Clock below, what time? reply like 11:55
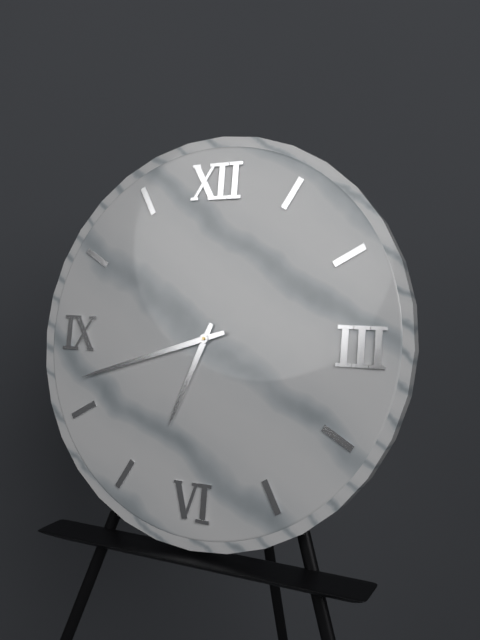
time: 6:42
